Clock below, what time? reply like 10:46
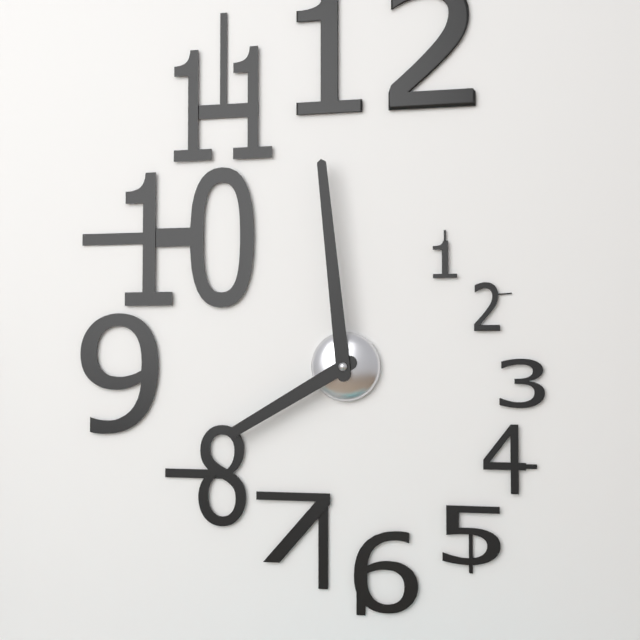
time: 7:59
